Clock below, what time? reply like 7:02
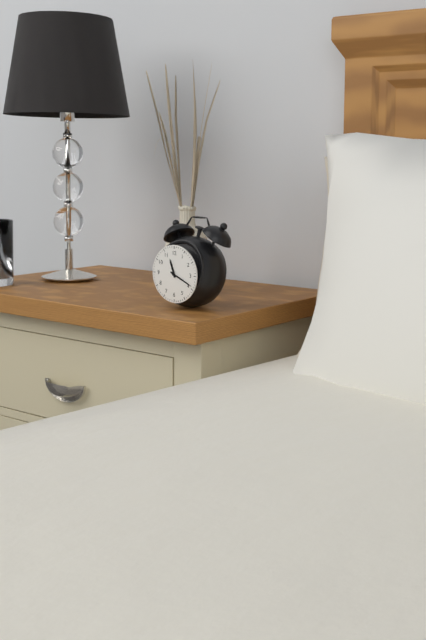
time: 11:19
